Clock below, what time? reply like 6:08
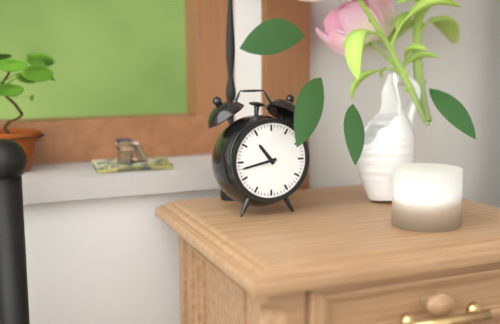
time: 10:43
